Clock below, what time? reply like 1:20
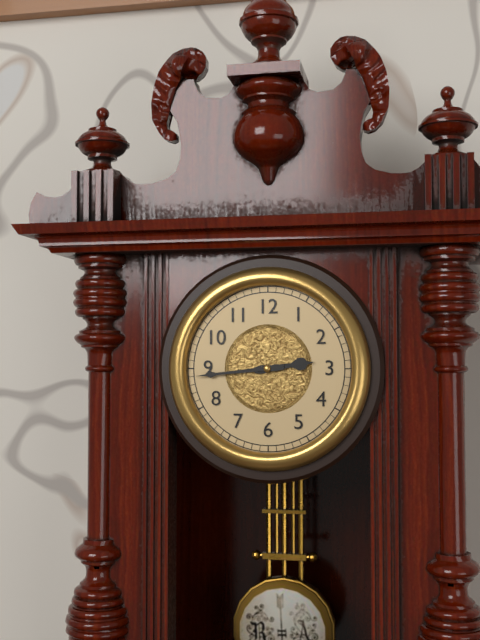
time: 2:44
